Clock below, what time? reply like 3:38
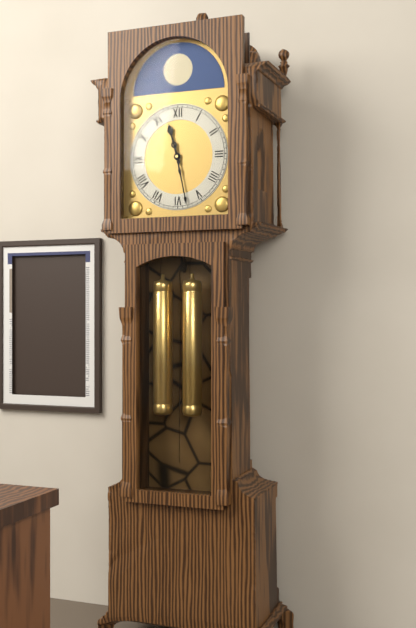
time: 11:28
